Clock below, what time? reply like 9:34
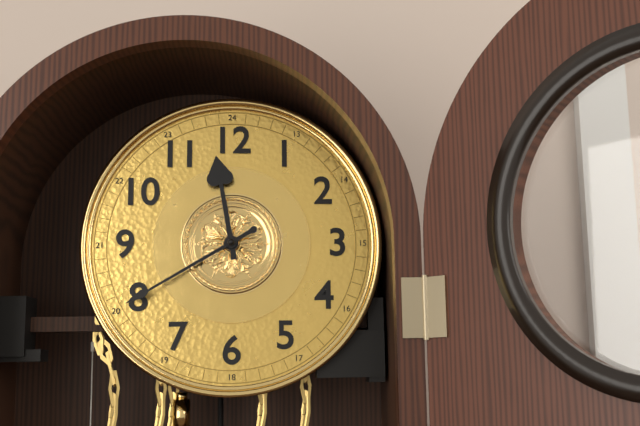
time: 11:40
